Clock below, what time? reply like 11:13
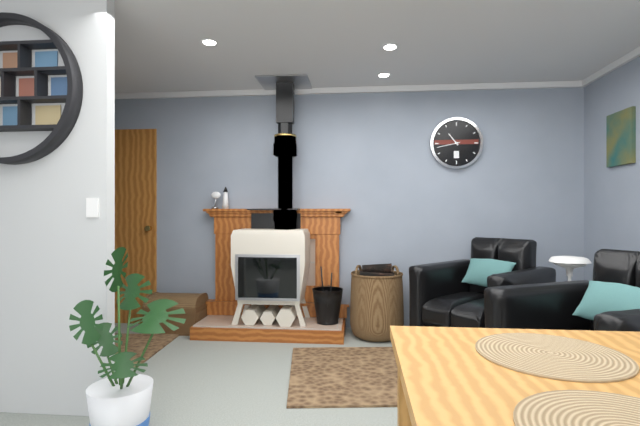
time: 10:43
